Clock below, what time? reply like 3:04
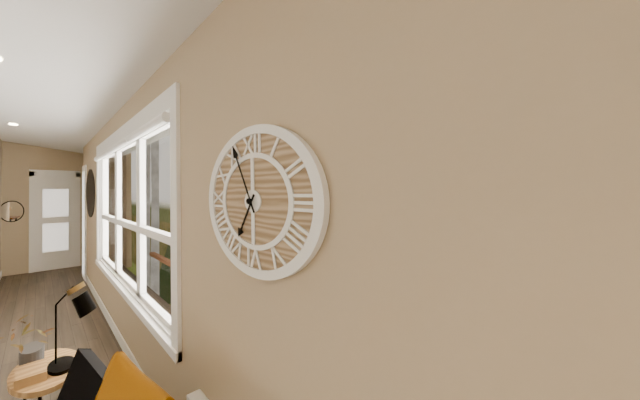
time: 6:56
